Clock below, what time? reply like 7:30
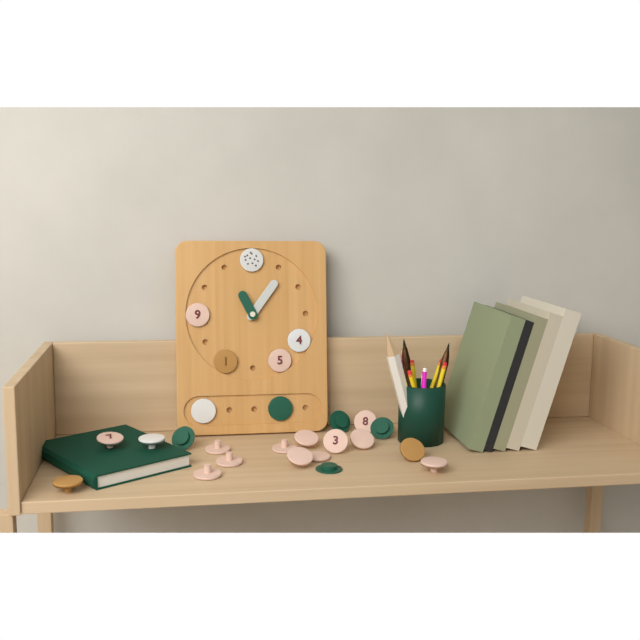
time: 11:06
